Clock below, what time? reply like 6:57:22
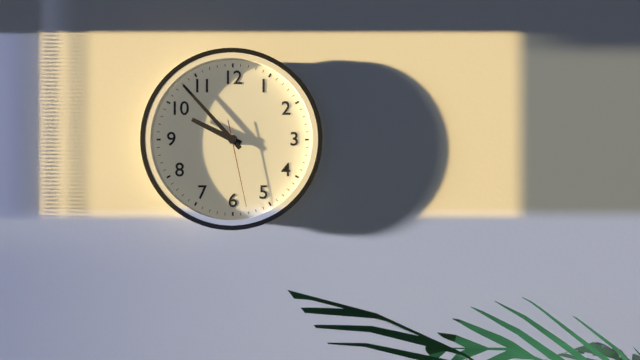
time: 9:53:28
